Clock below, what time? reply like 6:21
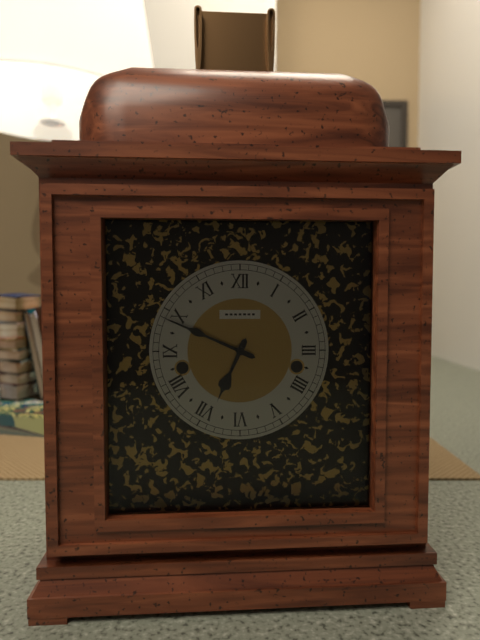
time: 6:49
